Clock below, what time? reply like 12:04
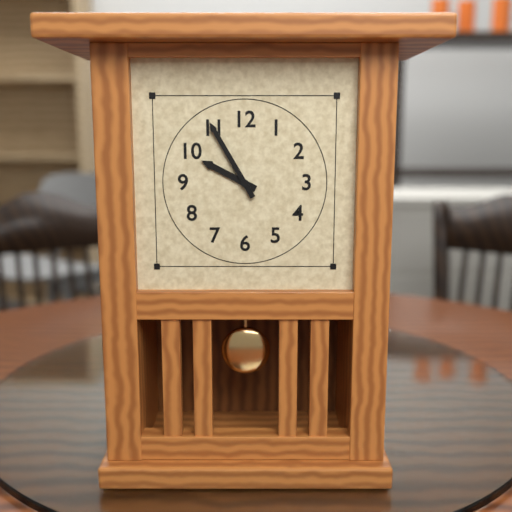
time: 9:55
